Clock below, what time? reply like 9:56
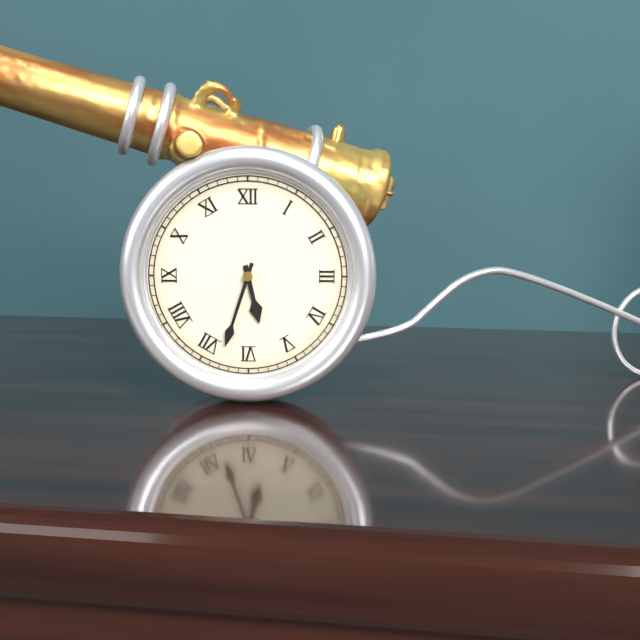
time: 5:33
